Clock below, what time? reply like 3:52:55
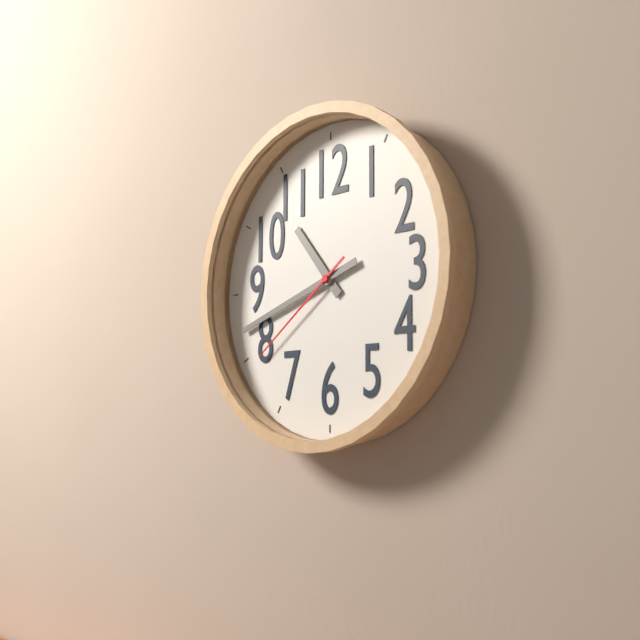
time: 10:42:39
